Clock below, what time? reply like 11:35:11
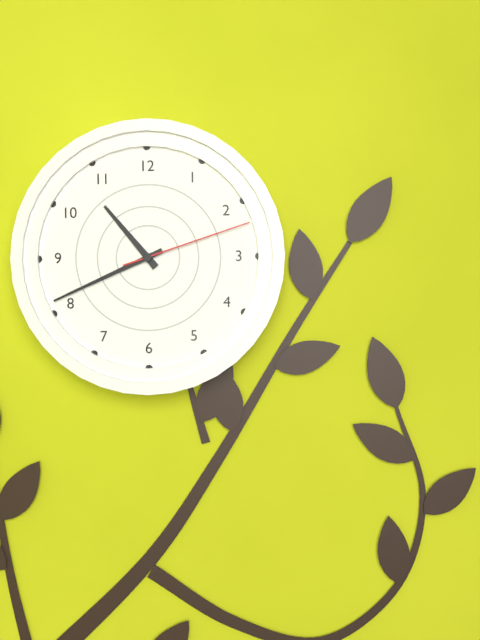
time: 10:41:12
